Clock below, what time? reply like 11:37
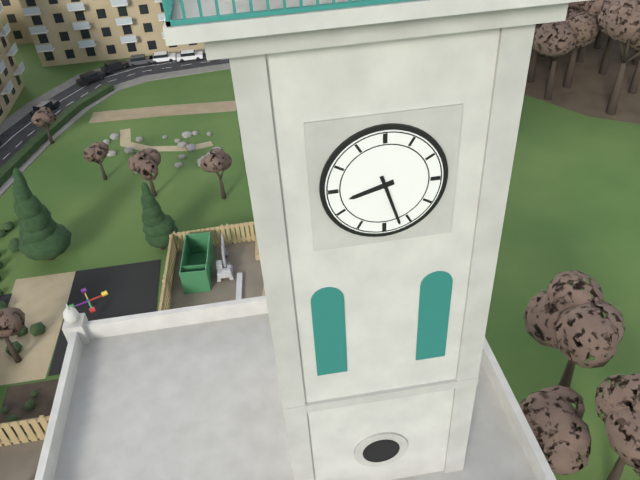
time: 8:27
